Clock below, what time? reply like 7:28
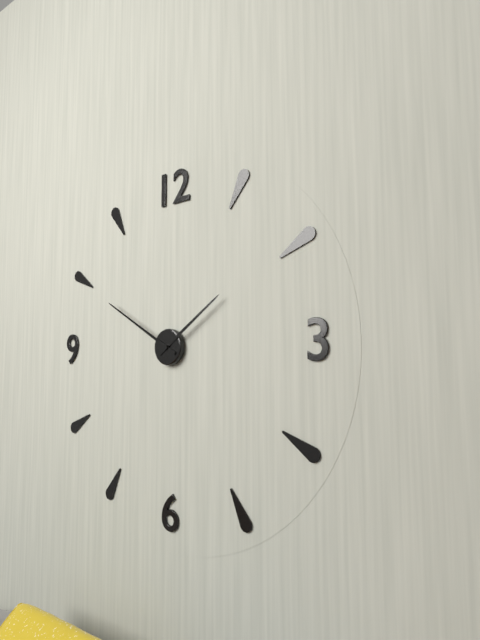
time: 1:50
